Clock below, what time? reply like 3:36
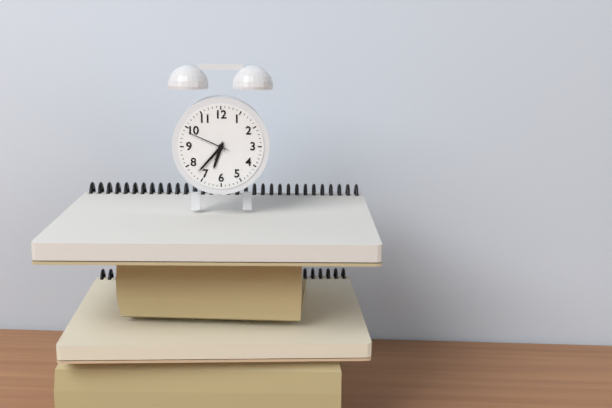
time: 6:37
